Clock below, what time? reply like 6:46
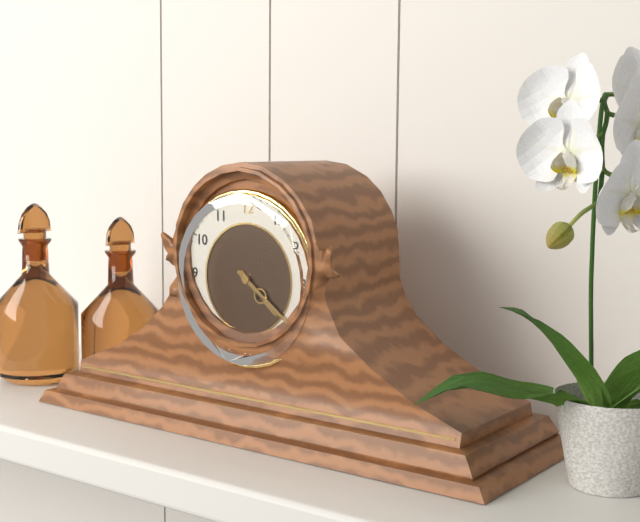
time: 4:21
